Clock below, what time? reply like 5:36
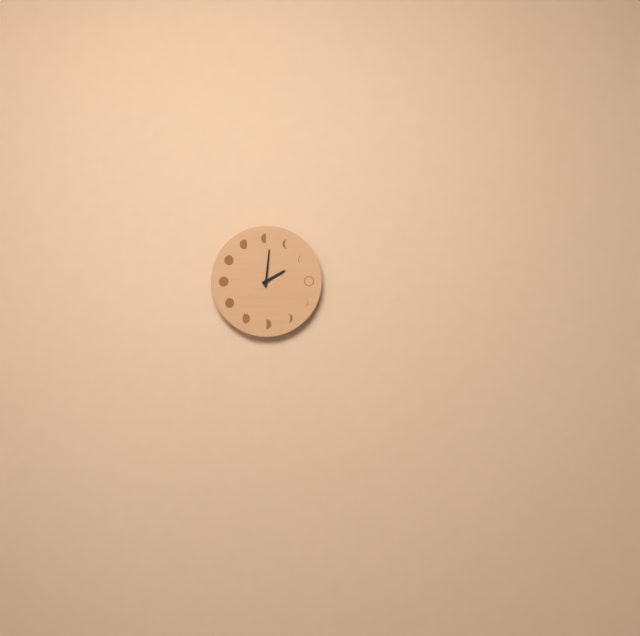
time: 2:01
